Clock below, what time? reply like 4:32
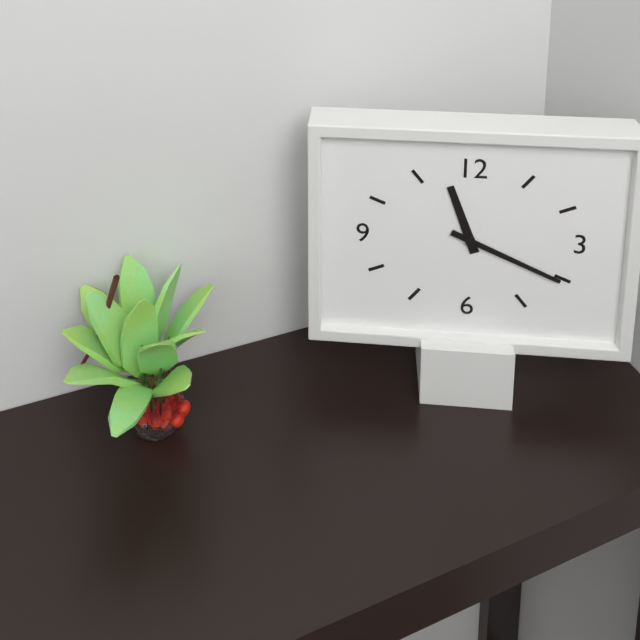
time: 11:19
